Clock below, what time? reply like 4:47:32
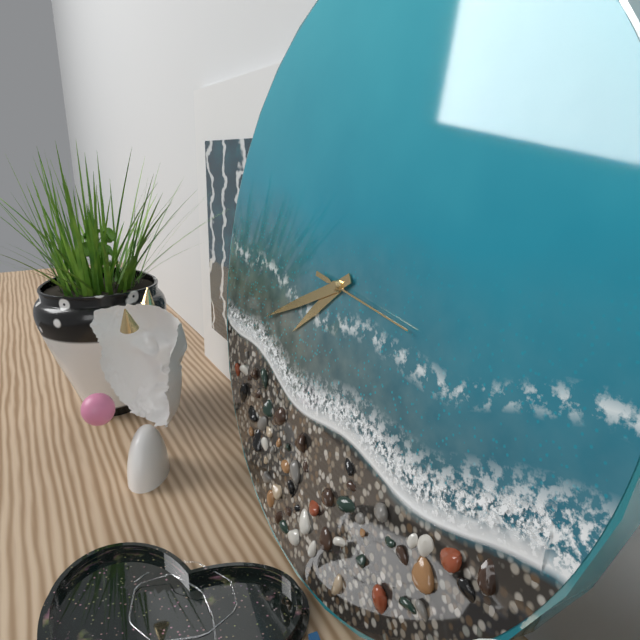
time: 7:41:16
